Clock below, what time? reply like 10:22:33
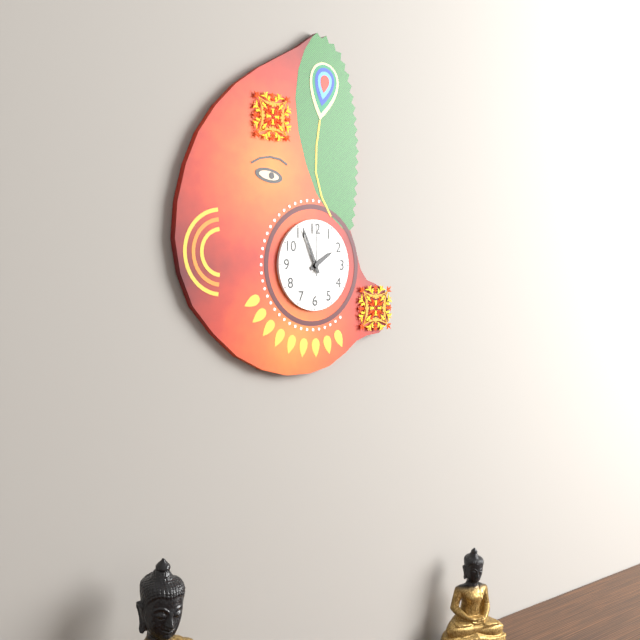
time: 1:56:00
